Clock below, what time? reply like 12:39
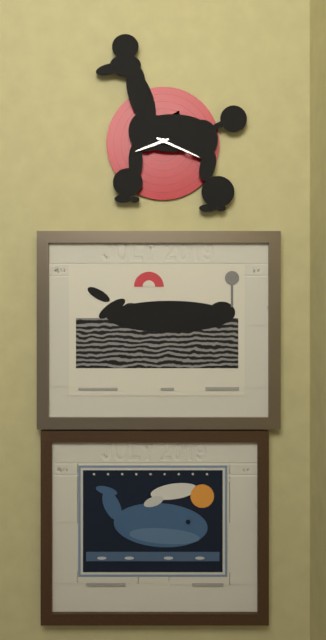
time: 8:19
